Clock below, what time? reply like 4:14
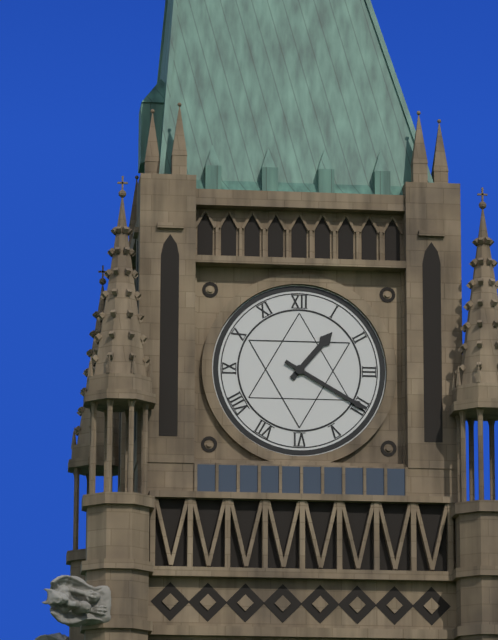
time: 1:20
